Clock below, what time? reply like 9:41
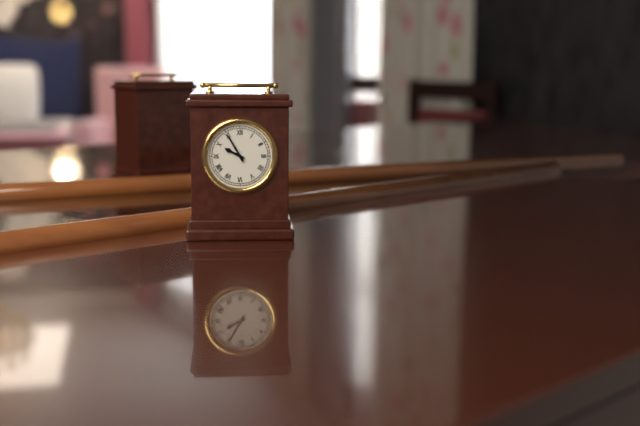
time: 9:55
